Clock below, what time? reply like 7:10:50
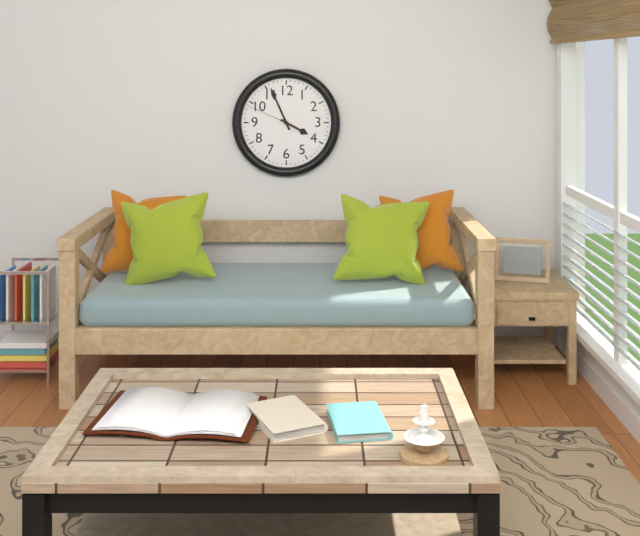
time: 3:56:49
